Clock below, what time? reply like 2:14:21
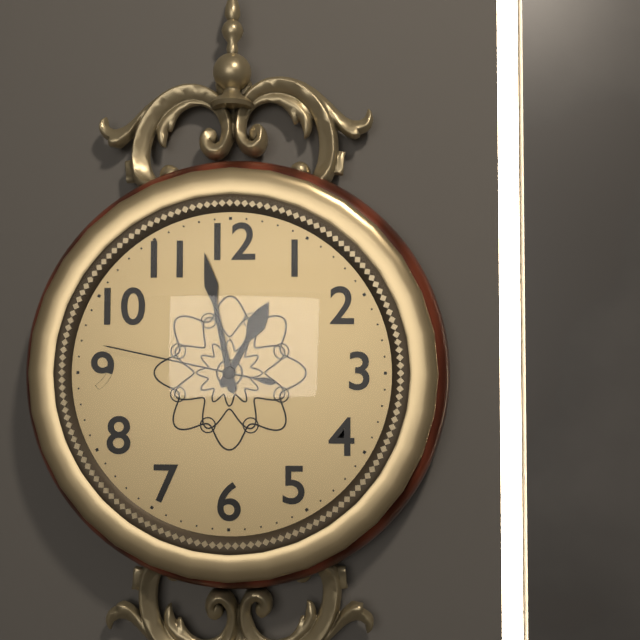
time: 12:58:47
